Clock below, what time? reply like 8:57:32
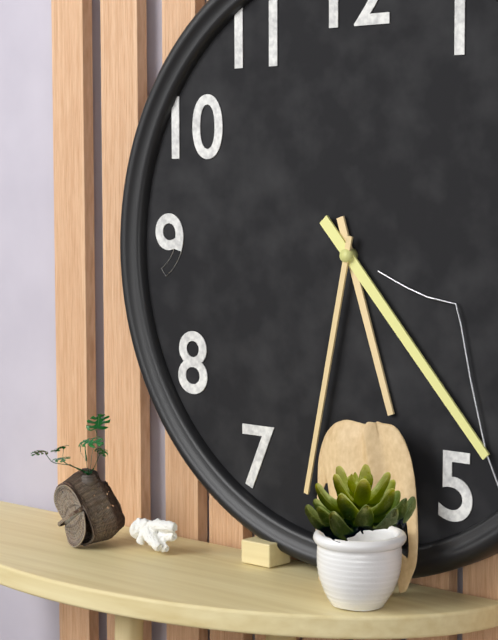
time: 5:23:32
